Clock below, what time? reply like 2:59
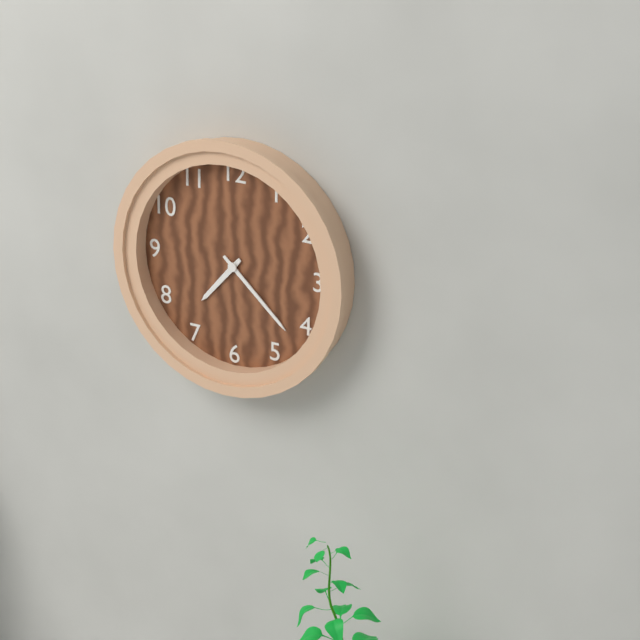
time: 7:22
